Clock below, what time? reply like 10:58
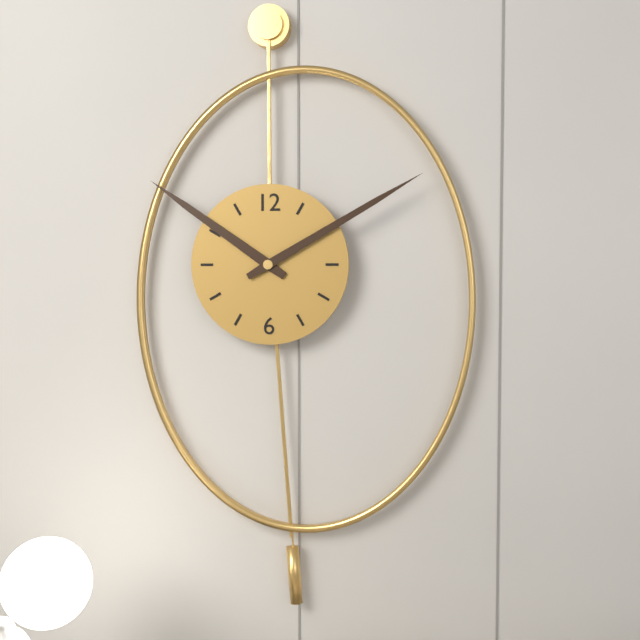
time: 10:10
